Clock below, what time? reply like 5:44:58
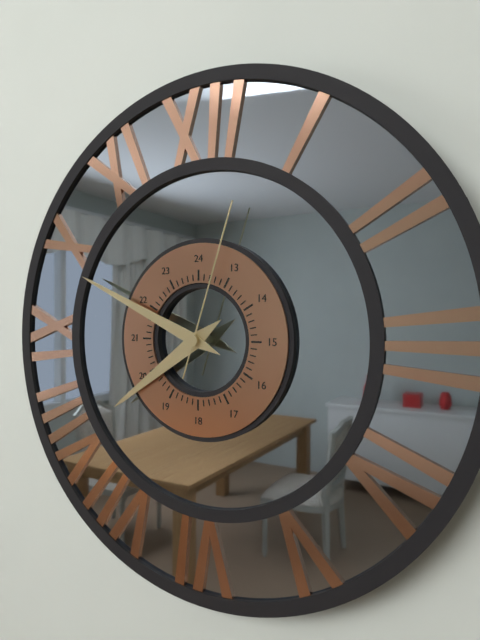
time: 7:49:03
